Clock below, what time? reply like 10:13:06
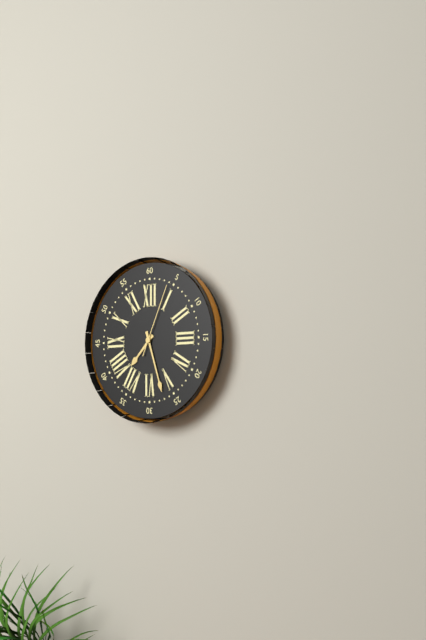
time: 7:27:04
